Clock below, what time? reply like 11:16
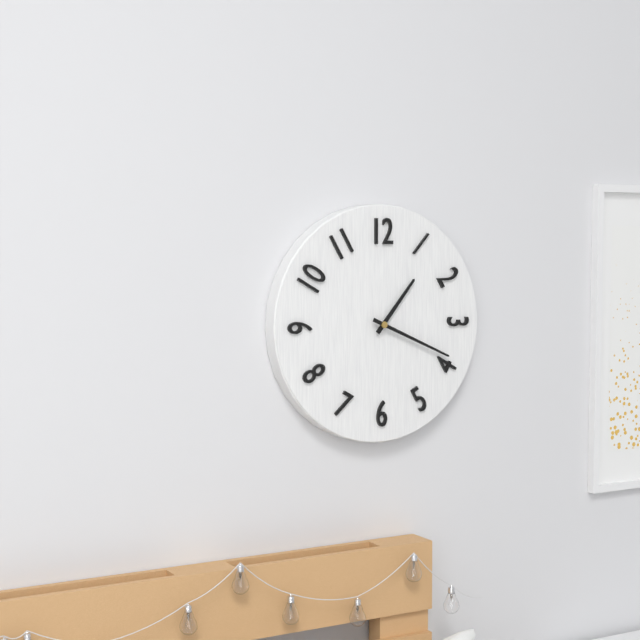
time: 1:19
